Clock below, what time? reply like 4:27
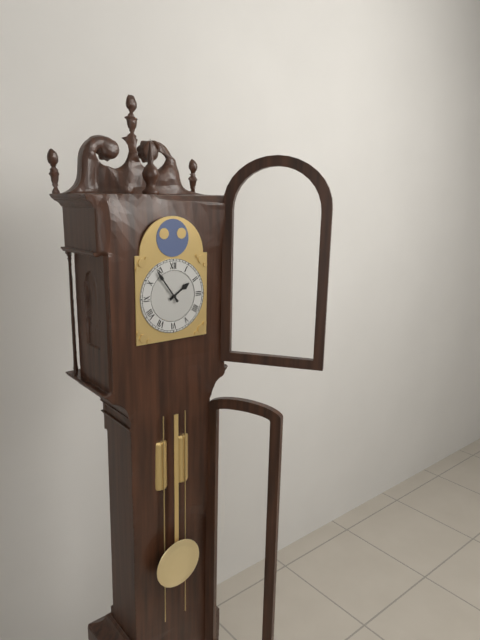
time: 1:54
